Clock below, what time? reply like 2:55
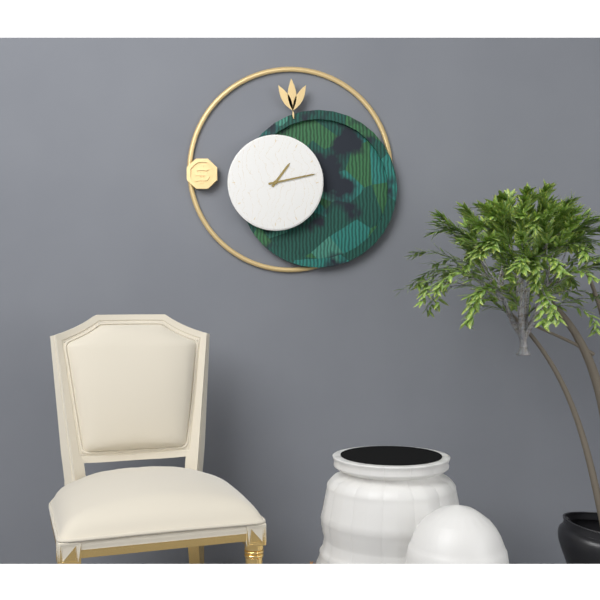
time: 1:13
